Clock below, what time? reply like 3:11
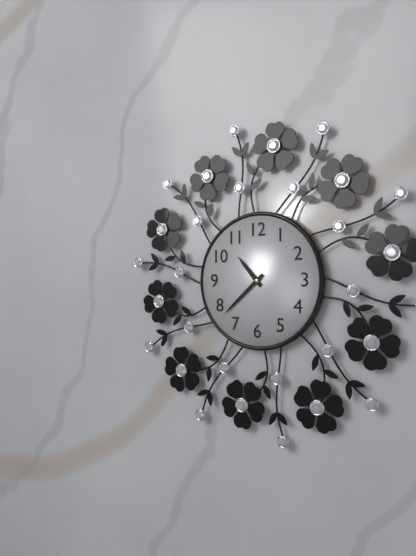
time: 10:38
